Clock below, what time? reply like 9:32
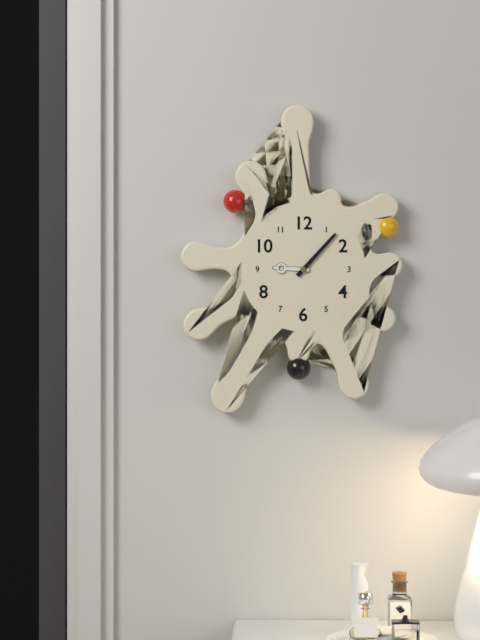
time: 9:07
